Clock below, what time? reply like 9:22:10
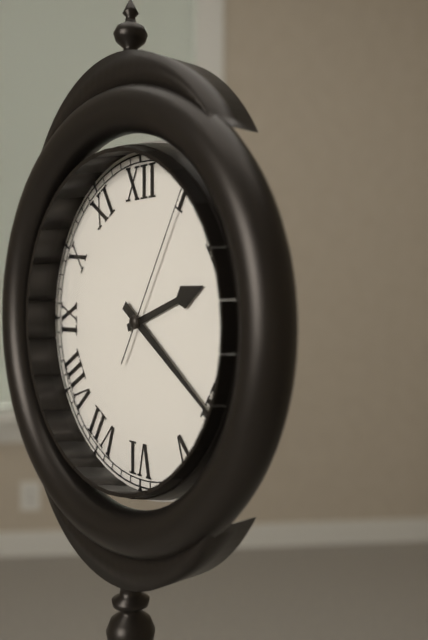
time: 2:21:05
